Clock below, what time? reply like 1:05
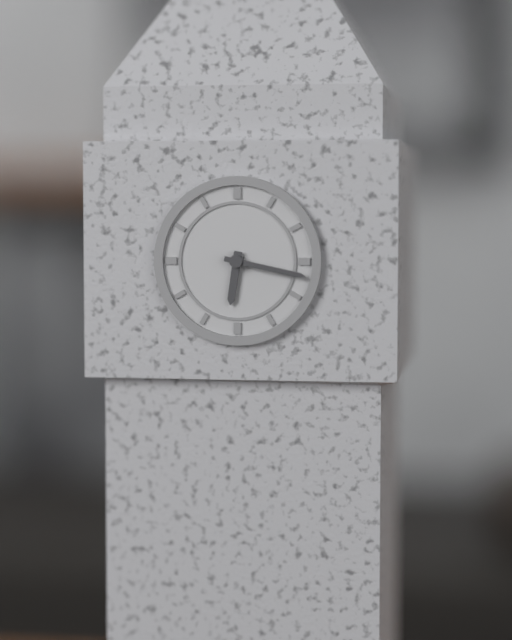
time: 6:17
